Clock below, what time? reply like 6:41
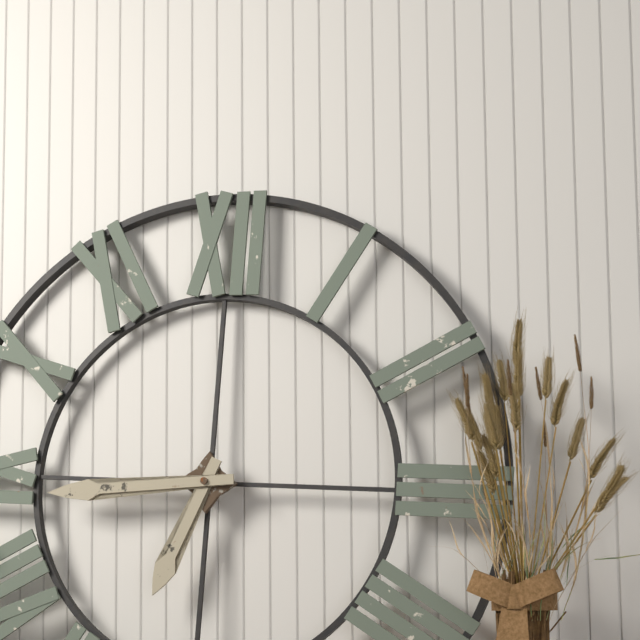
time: 6:44
